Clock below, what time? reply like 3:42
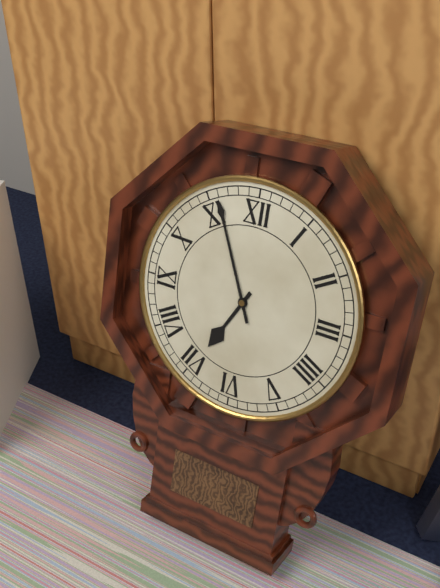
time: 6:56
